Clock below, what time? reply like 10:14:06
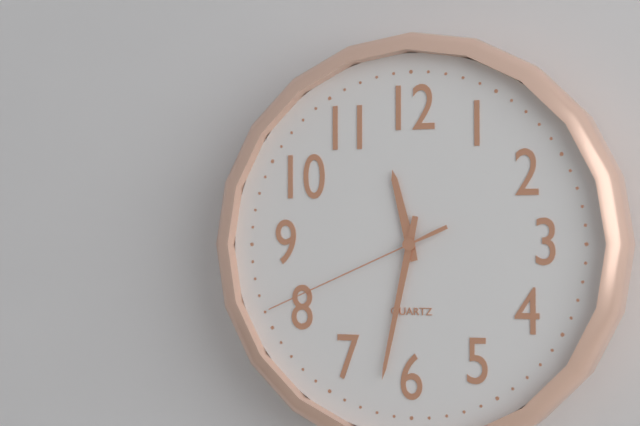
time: 11:32:41
